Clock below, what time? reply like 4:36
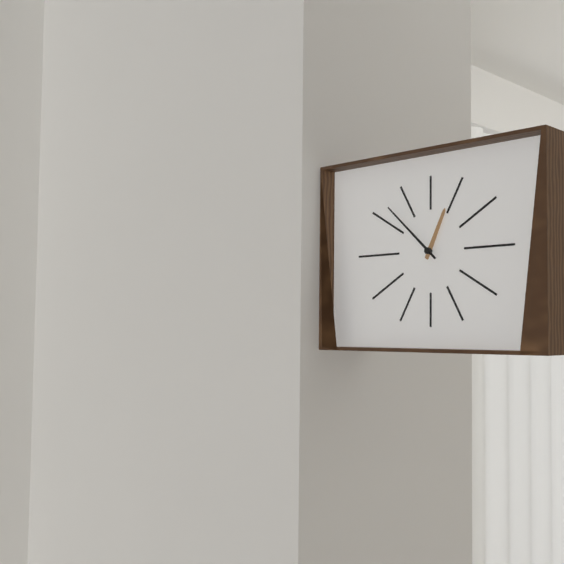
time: 12:52
